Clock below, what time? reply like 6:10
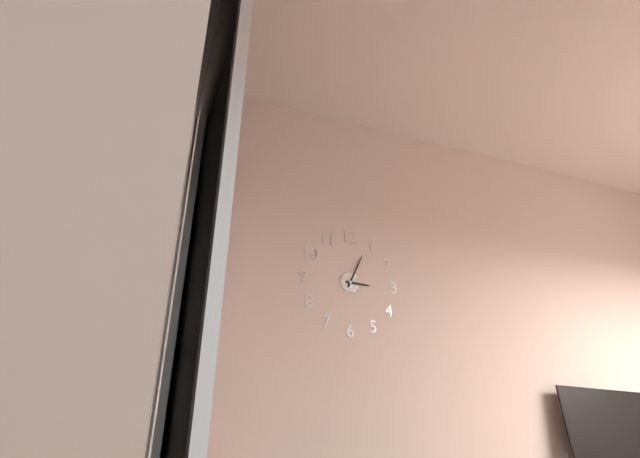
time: 3:04
